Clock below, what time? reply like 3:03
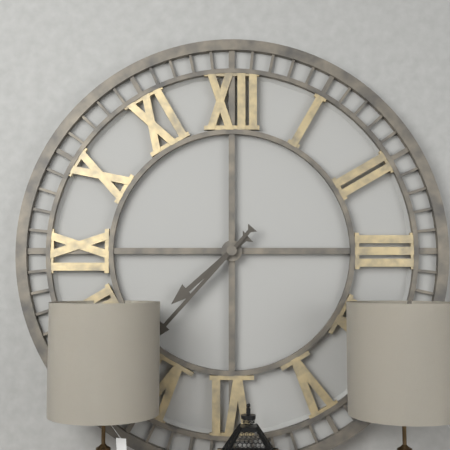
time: 7:37
